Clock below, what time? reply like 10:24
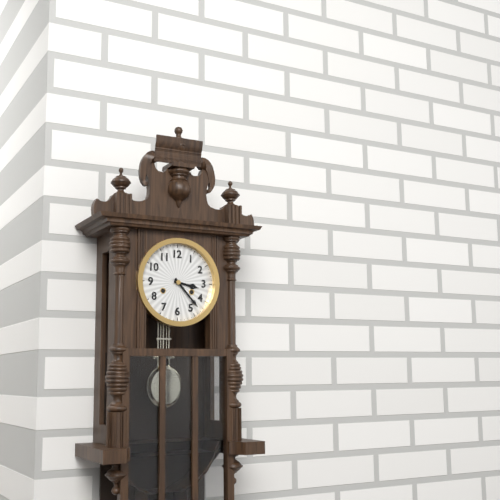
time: 3:23
